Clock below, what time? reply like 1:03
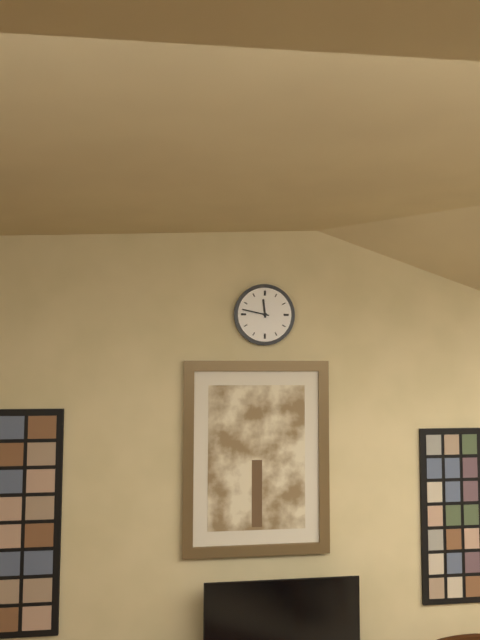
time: 11:47
